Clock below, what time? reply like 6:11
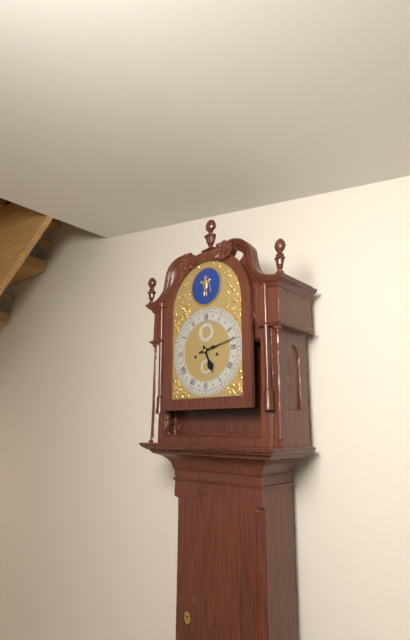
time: 5:13
